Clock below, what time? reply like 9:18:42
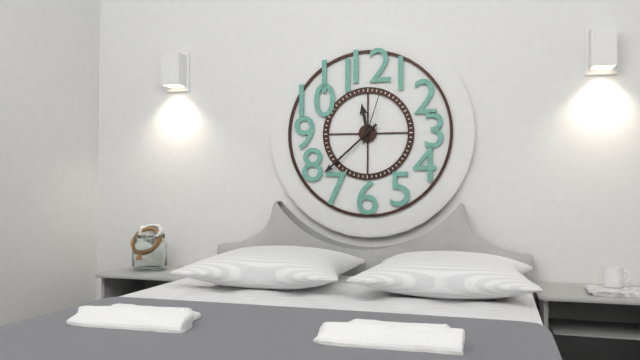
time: 11:38:03
